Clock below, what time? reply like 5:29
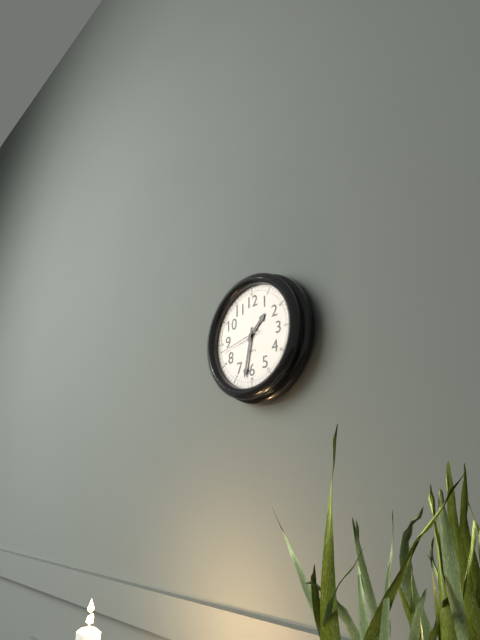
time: 1:32
